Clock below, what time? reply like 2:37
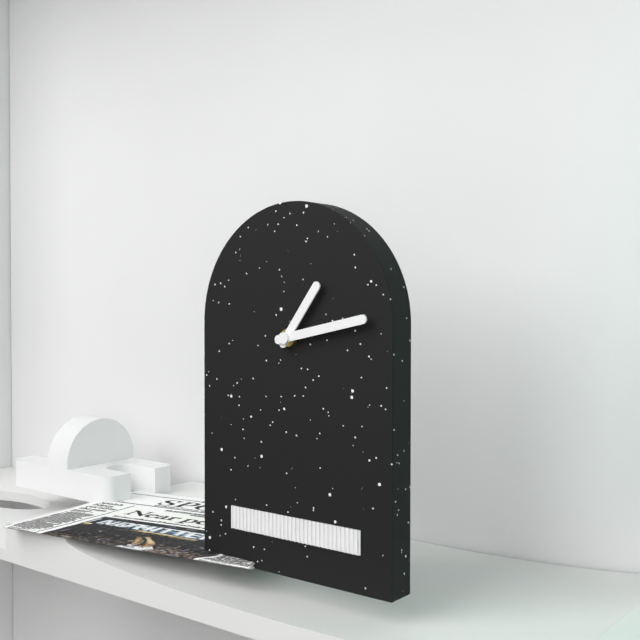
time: 1:13
